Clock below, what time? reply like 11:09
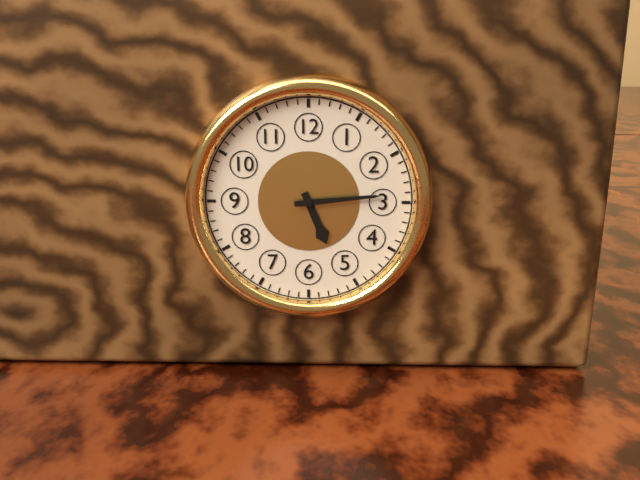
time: 5:14
